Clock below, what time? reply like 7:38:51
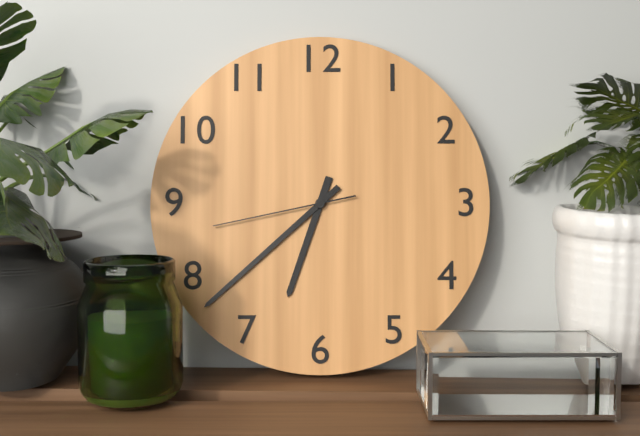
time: 6:38:43
